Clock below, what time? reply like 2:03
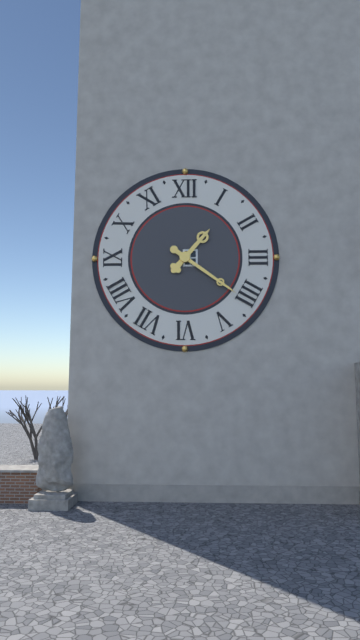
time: 1:21
